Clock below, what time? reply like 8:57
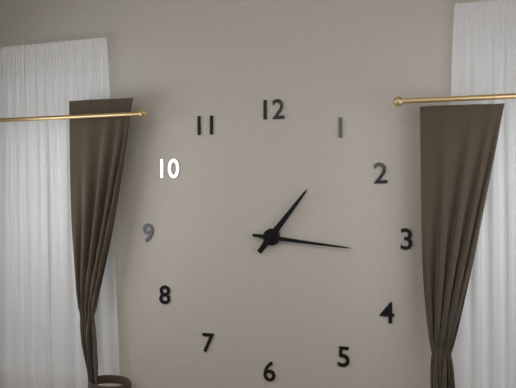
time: 1:16
